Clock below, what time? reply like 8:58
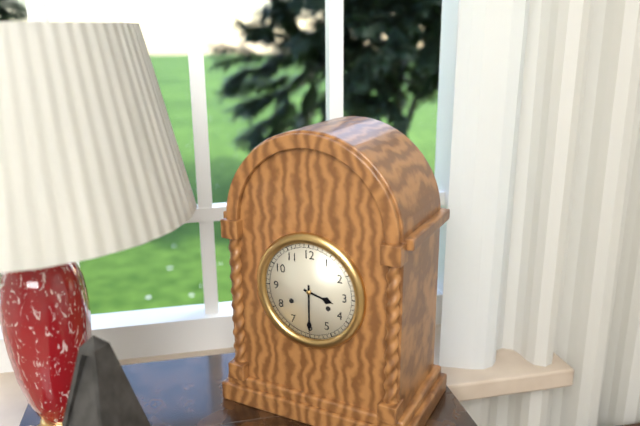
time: 3:30
